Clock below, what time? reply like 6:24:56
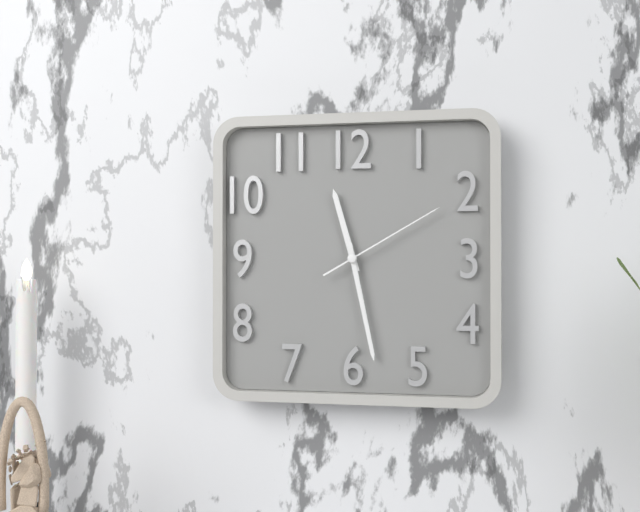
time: 11:28:10
